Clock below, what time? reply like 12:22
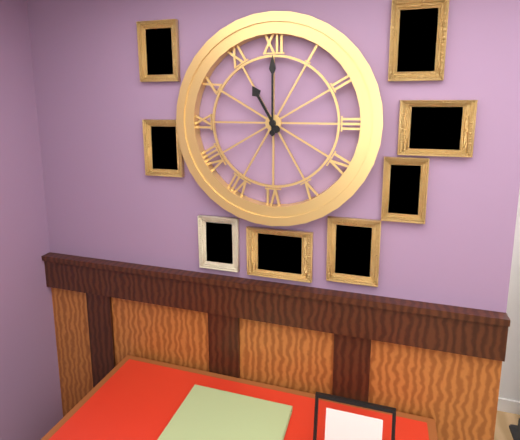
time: 11:00
